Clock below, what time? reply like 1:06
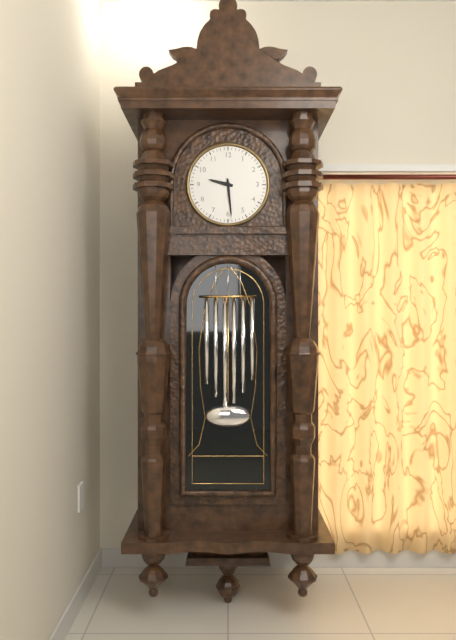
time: 9:29
